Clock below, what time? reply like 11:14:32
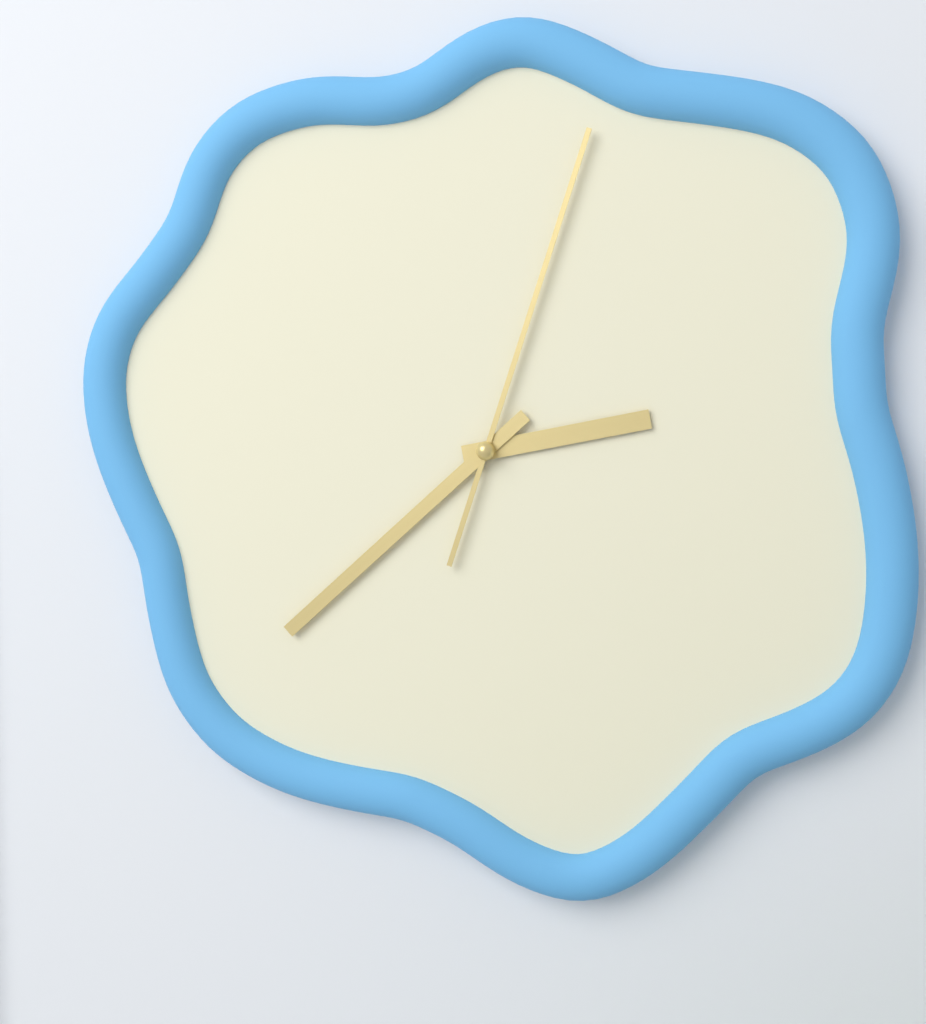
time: 2:38:03
